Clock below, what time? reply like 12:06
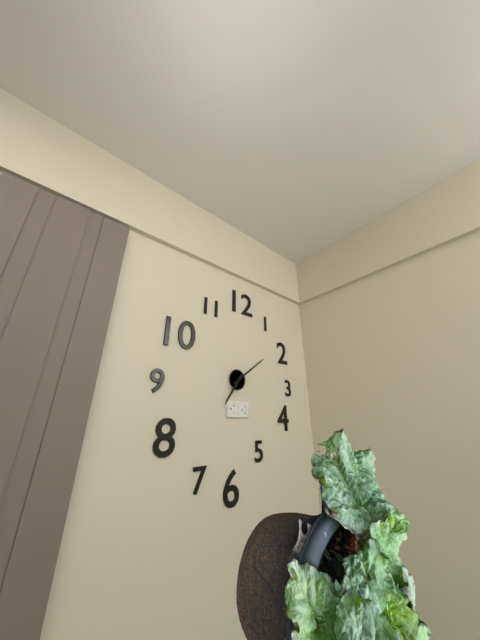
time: 7:09
